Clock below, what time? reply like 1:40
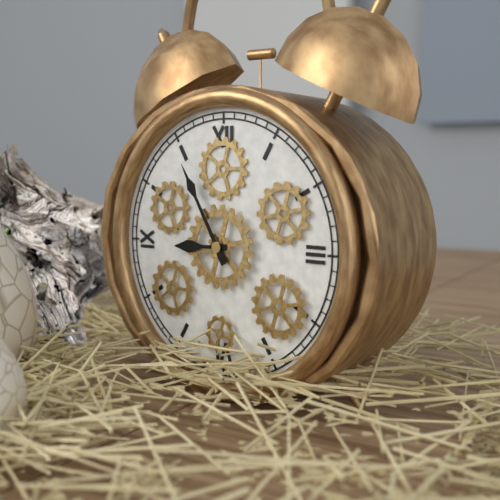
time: 8:55
